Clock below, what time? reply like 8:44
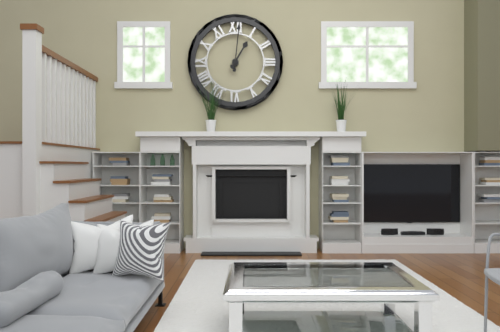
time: 1:01
